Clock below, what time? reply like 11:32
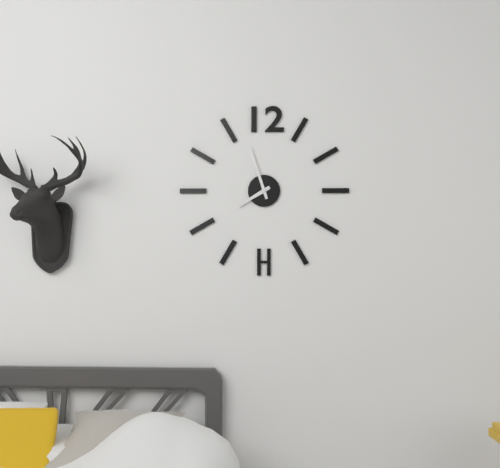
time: 7:57
